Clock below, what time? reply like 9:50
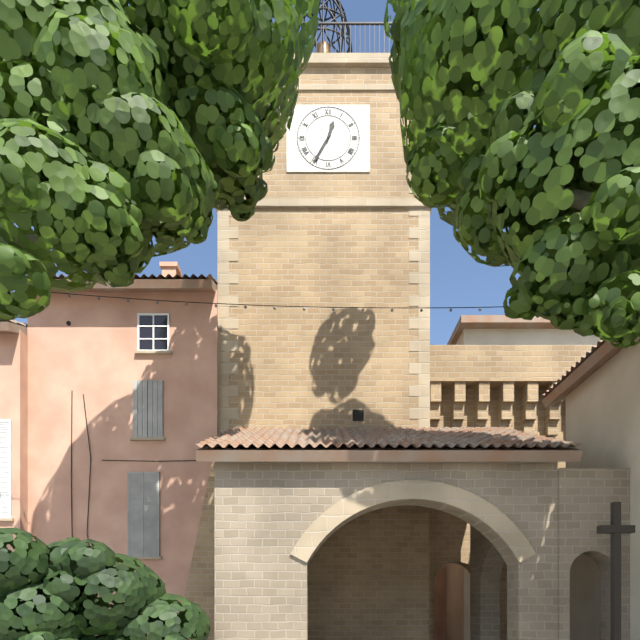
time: 12:35
